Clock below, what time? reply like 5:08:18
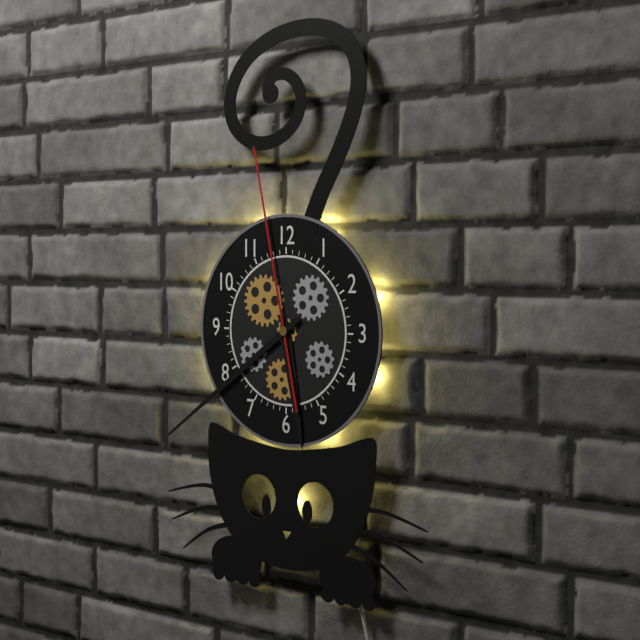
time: 5:39:58
